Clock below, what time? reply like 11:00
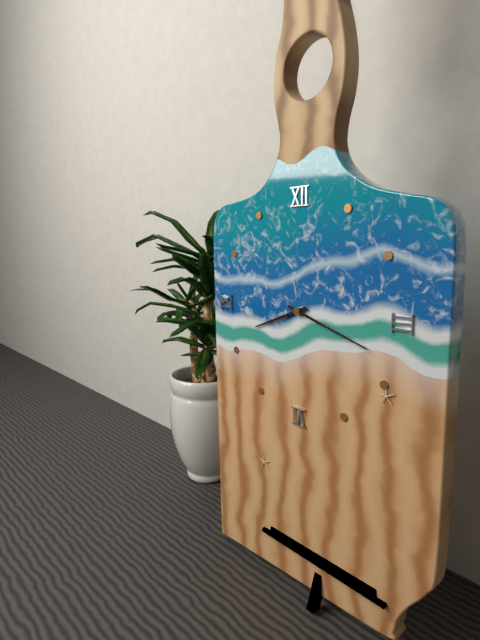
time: 8:18
